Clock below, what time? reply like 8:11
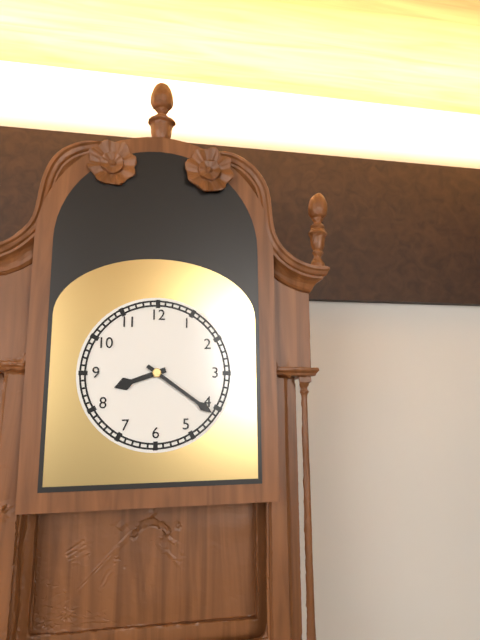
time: 8:21
